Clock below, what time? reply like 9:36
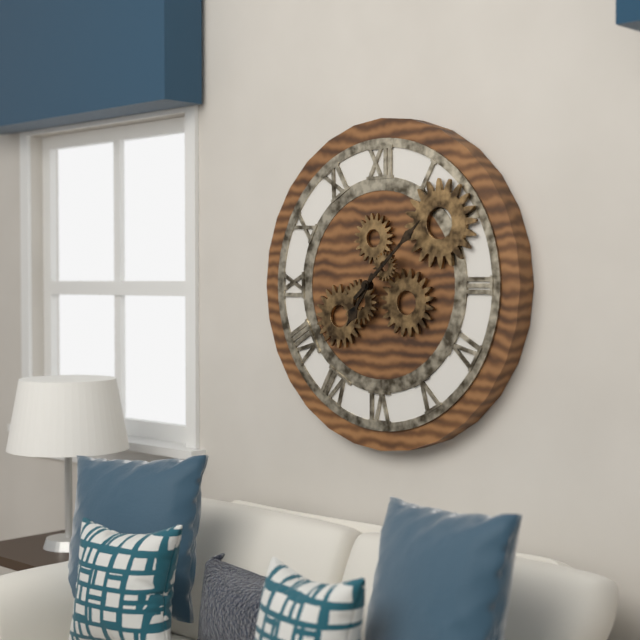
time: 7:08
